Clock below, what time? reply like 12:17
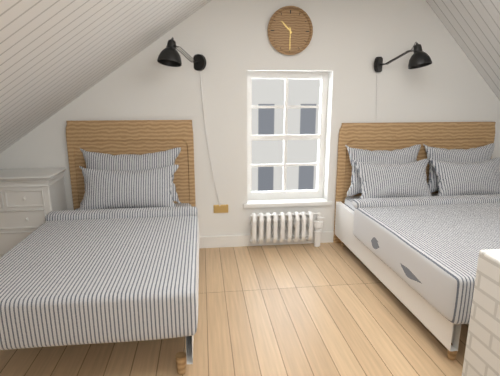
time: 10:30
